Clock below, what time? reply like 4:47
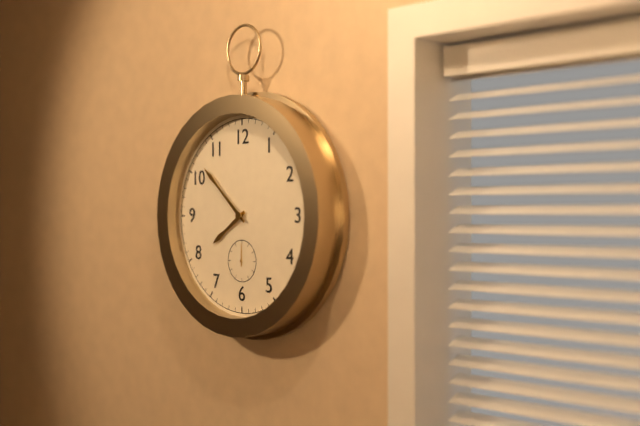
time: 7:52
